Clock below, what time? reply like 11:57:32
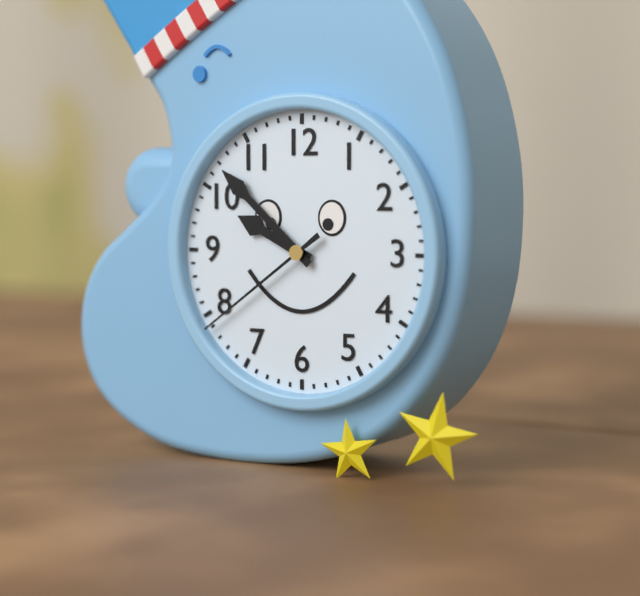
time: 9:52:39
